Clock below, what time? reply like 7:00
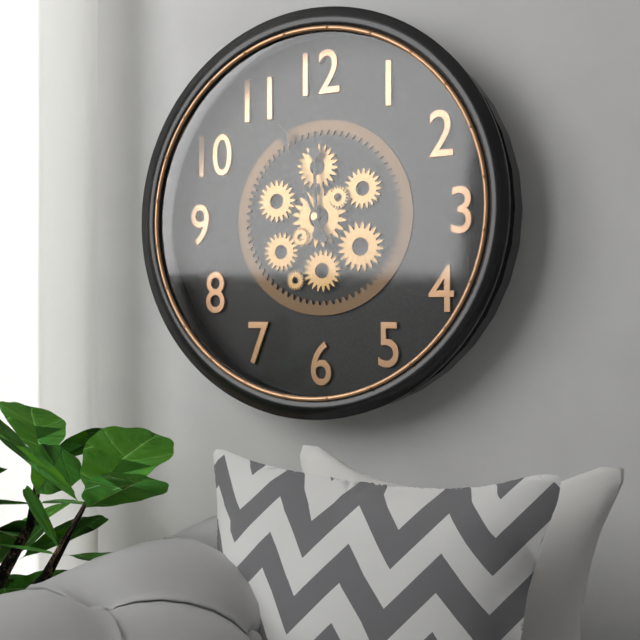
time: 11:56
